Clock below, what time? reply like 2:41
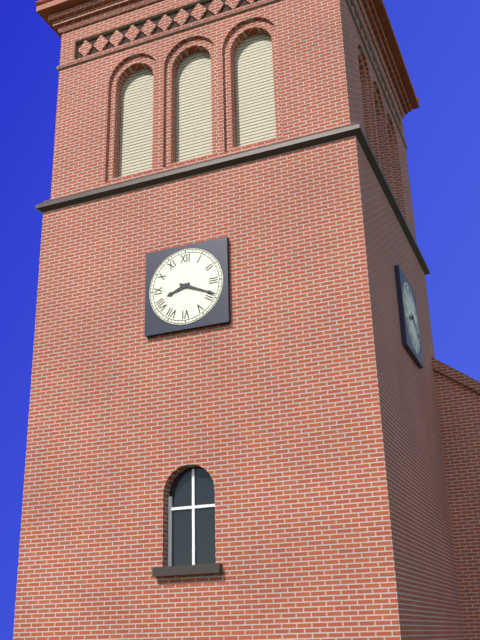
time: 8:19
